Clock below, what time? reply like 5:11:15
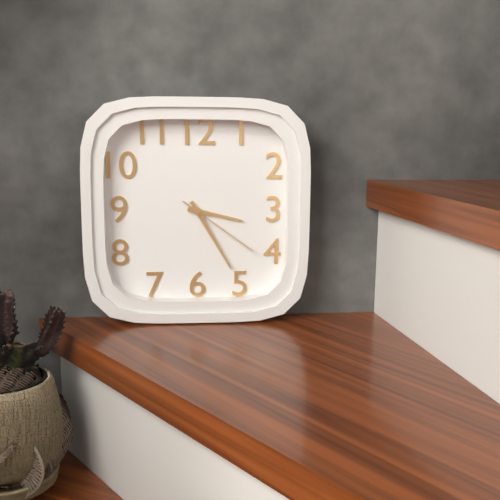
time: 3:25:21
